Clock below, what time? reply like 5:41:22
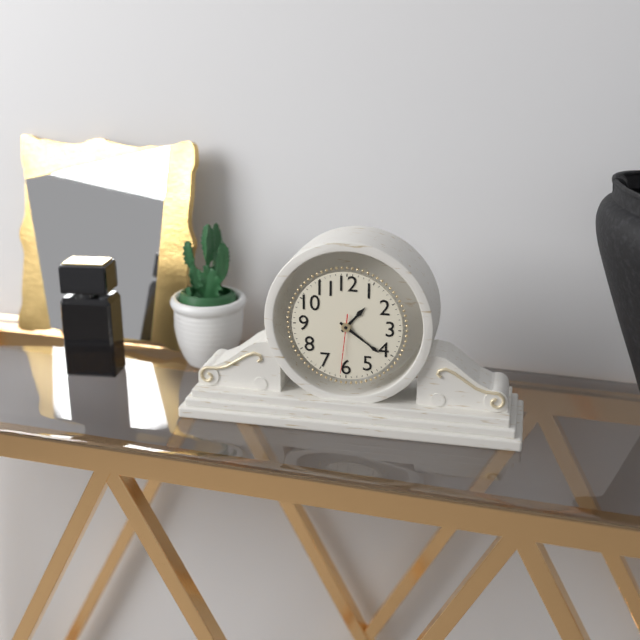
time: 1:21:31
